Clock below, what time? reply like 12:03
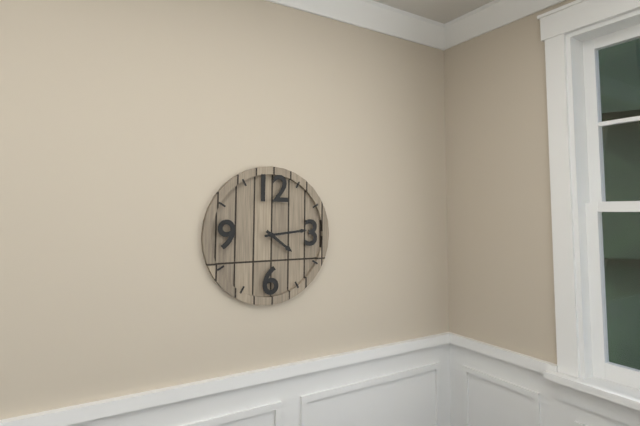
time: 4:14
